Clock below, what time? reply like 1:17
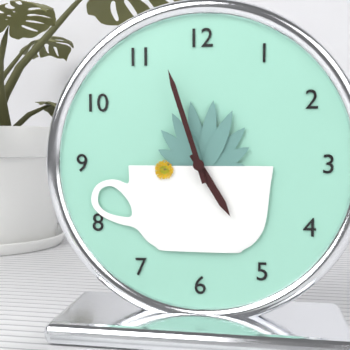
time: 4:57
